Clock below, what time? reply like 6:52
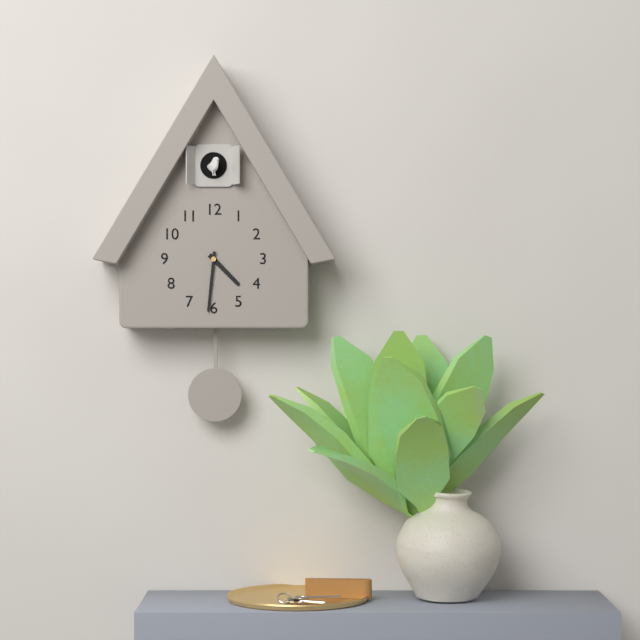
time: 4:31
